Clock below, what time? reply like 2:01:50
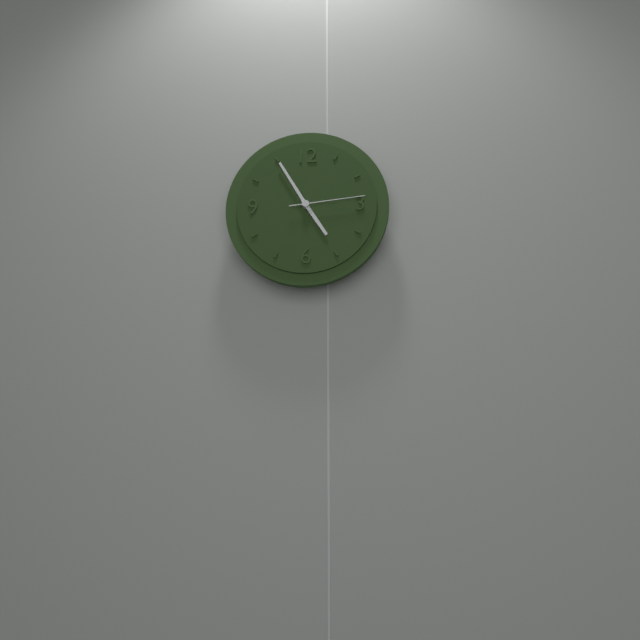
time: 4:55:14
